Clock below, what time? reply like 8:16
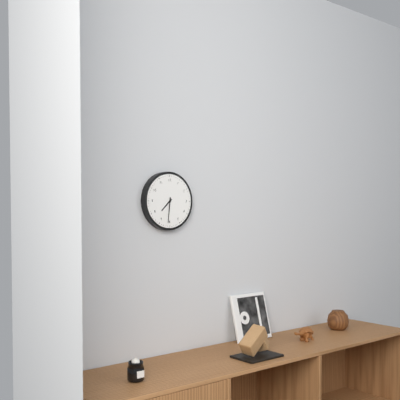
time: 7:31
